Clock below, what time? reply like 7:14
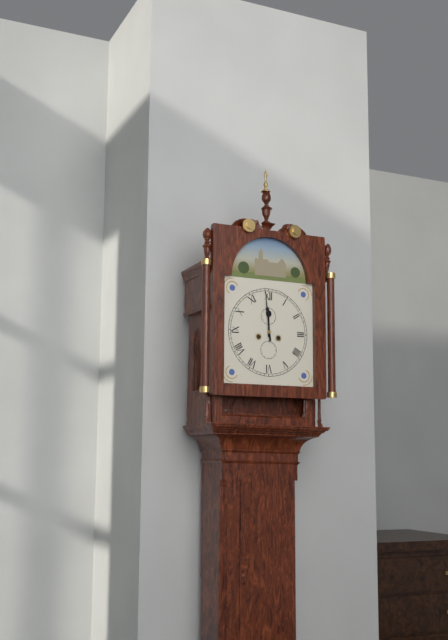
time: 11:59
